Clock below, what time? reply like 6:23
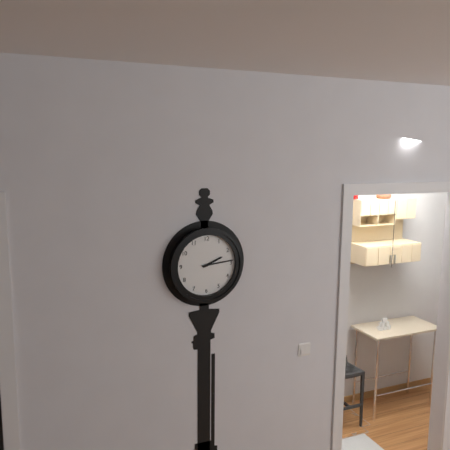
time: 2:14
